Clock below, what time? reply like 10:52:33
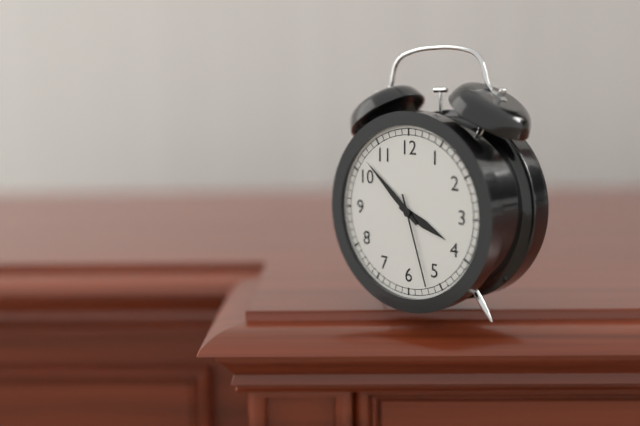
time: 3:52:27
